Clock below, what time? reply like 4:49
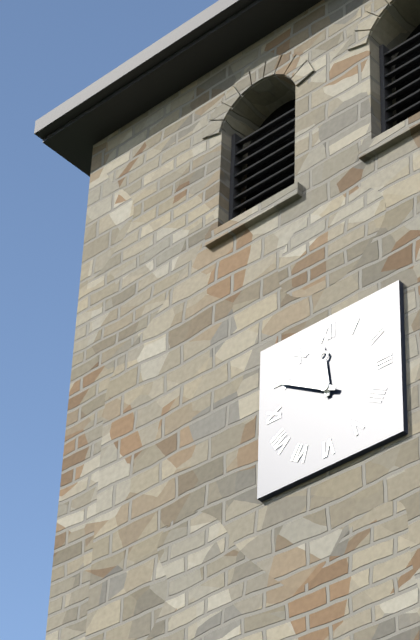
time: 11:50
